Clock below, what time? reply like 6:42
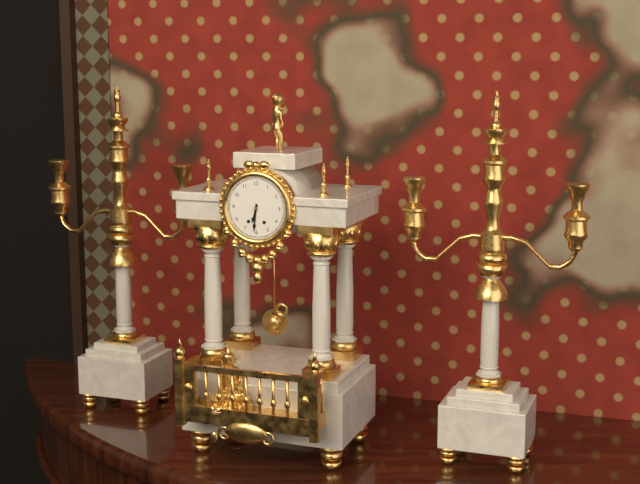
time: 6:31
